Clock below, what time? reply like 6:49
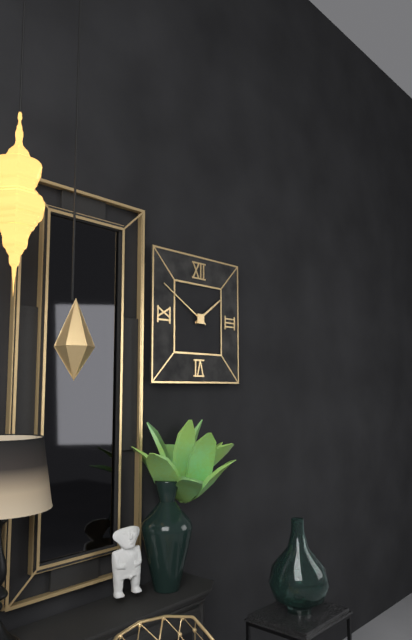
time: 1:50
